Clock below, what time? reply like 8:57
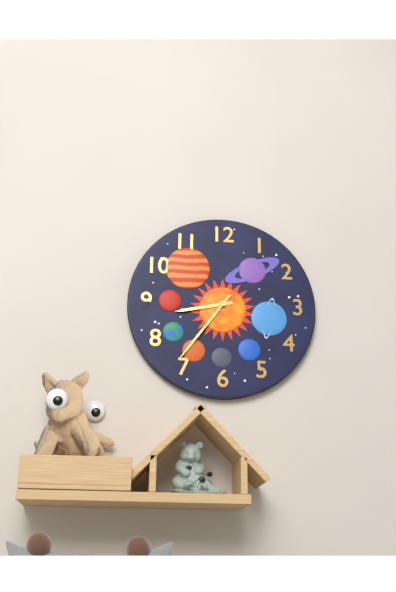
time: 8:36
